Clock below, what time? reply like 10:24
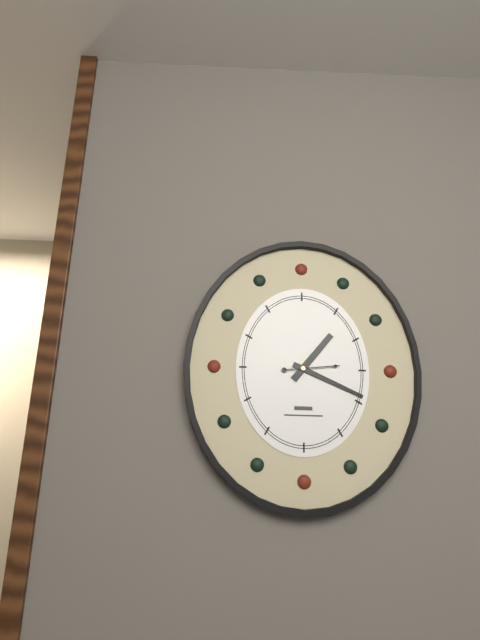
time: 1:19
